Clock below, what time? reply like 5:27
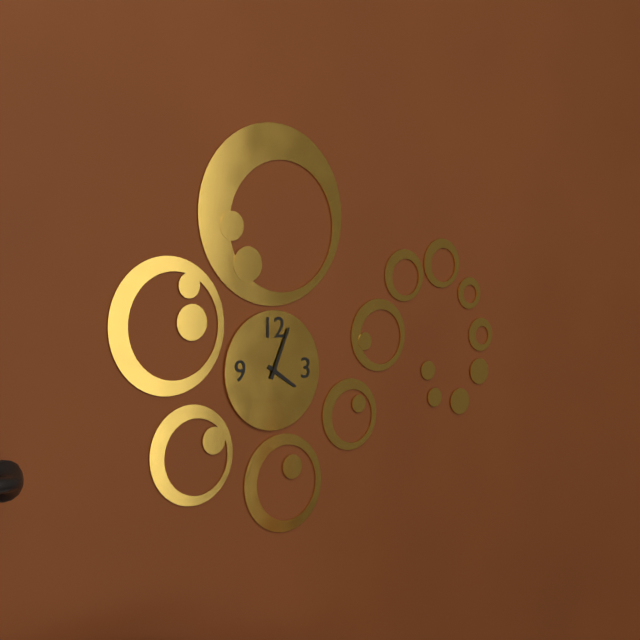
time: 4:04
